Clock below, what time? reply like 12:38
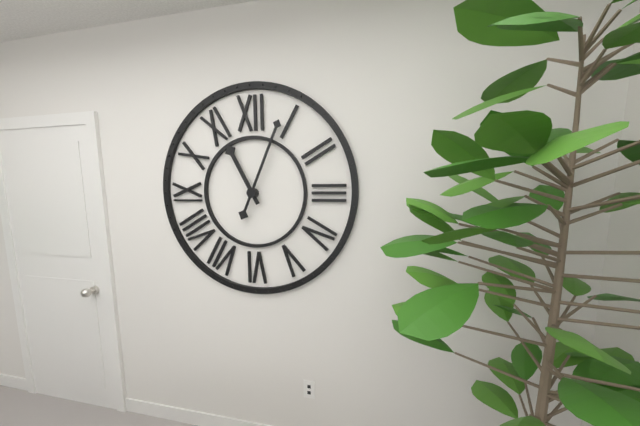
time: 11:04
